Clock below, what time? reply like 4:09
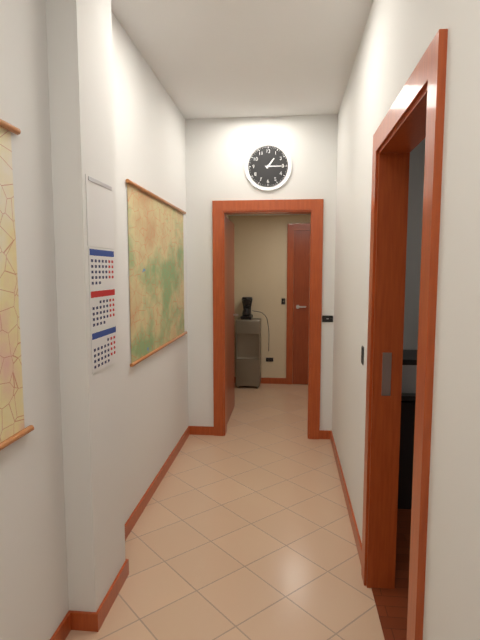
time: 1:15
